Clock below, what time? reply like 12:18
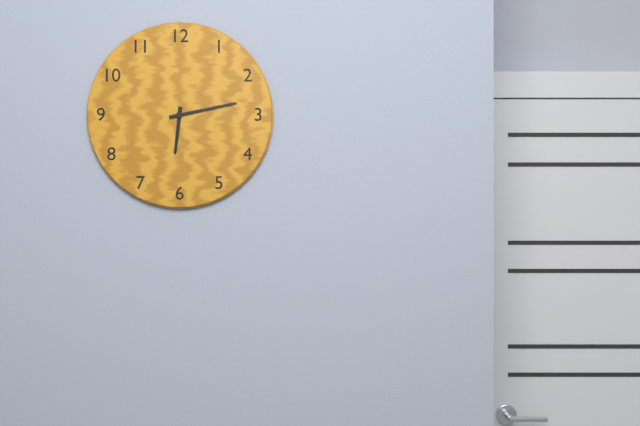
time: 6:13
